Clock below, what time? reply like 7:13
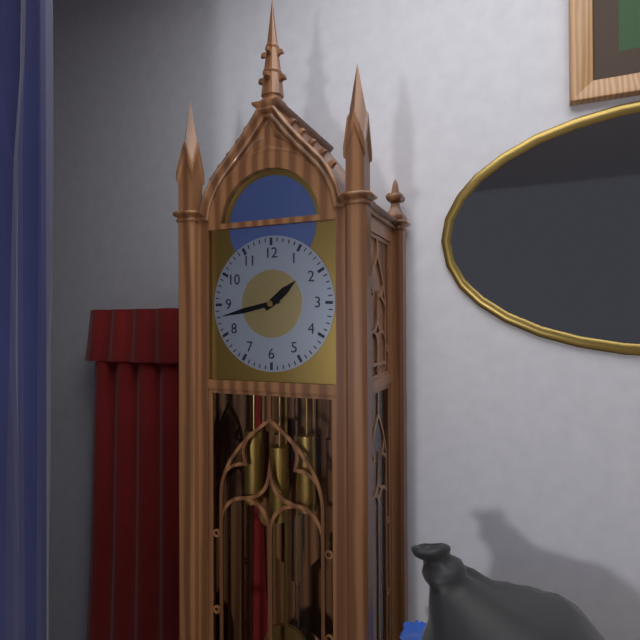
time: 1:43
